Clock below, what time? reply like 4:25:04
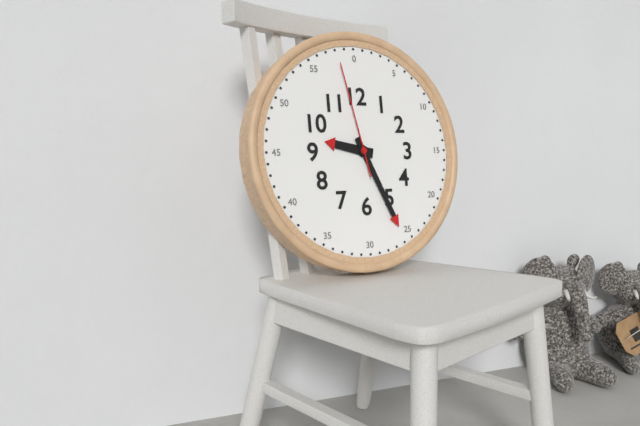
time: 9:26:58
